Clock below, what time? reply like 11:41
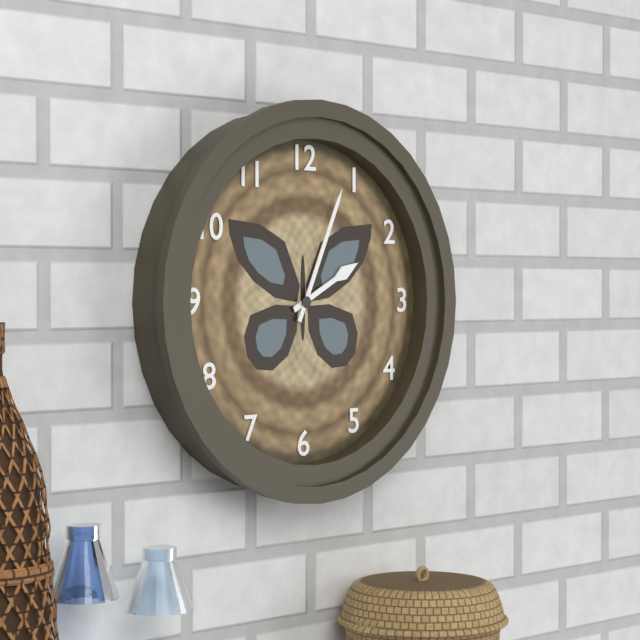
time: 2:04
